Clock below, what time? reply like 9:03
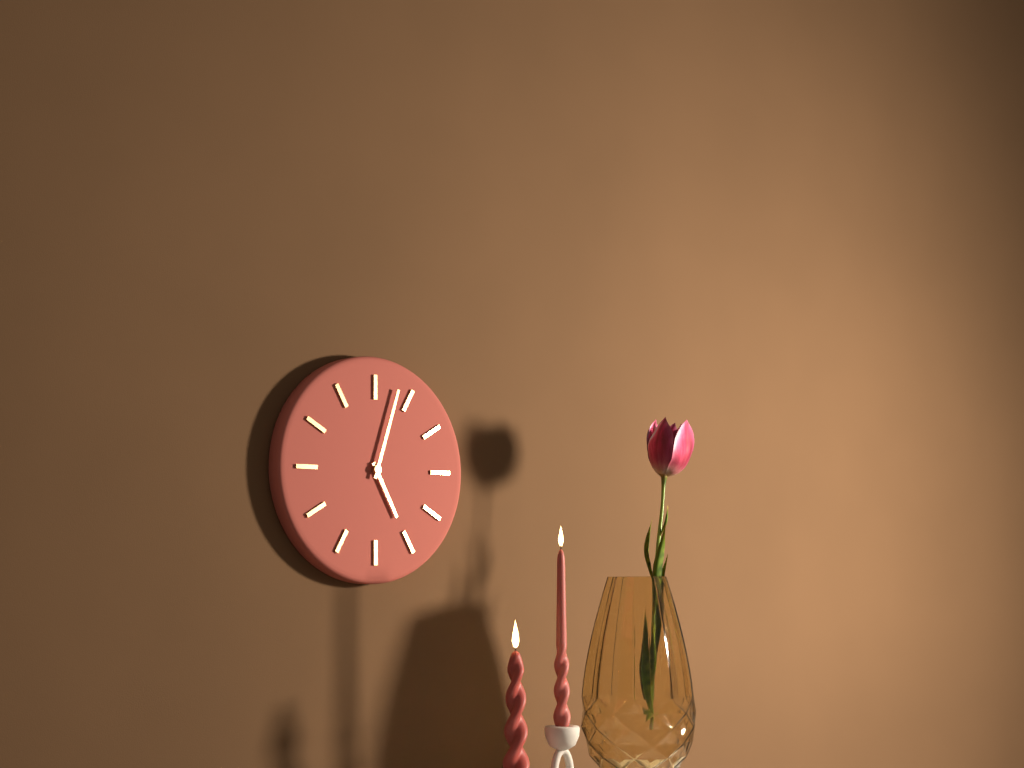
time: 5:03
